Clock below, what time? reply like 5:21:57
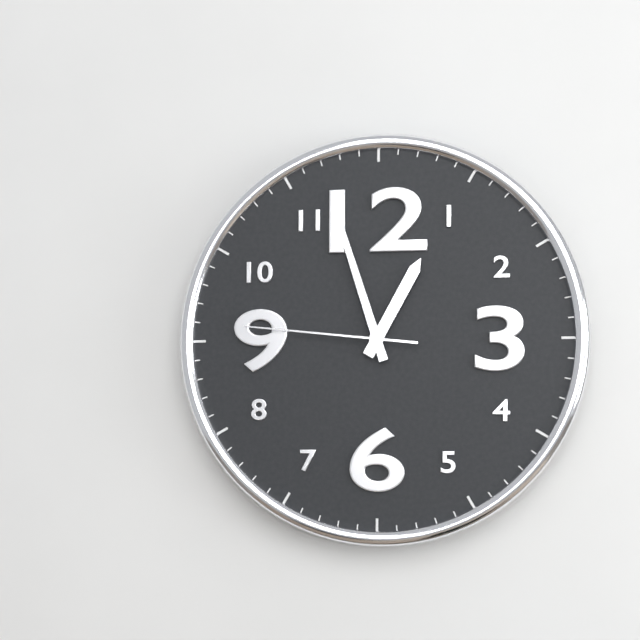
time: 12:57:46
